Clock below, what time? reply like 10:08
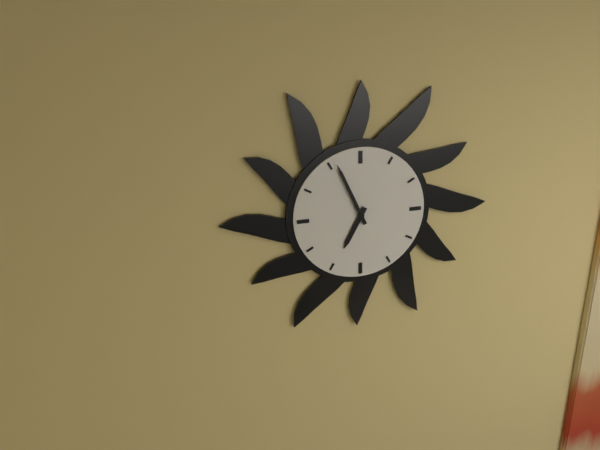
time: 6:56
